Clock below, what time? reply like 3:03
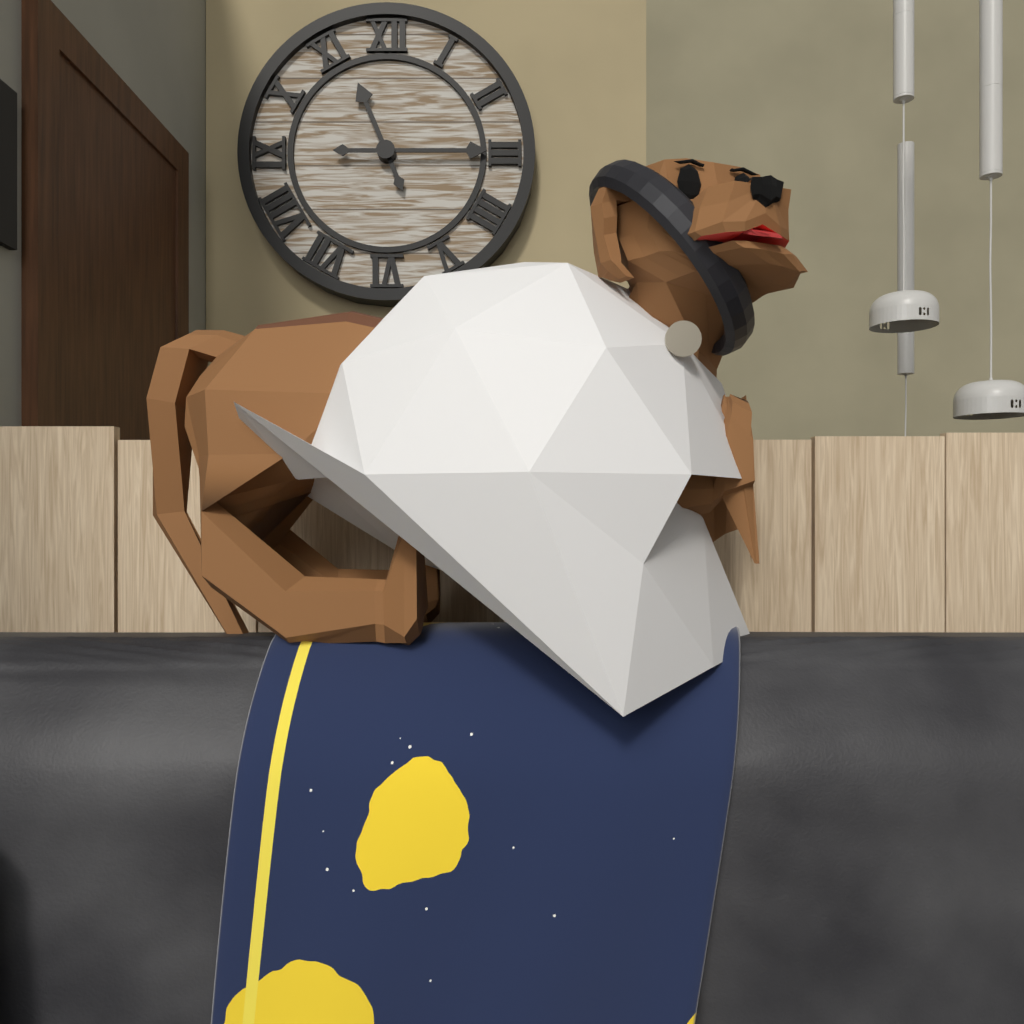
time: 11:15
